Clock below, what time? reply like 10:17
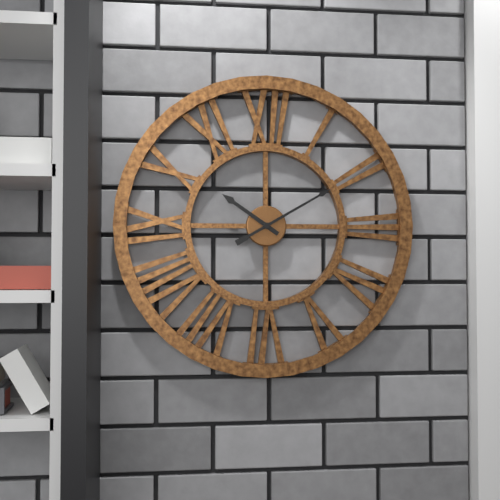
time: 10:10
